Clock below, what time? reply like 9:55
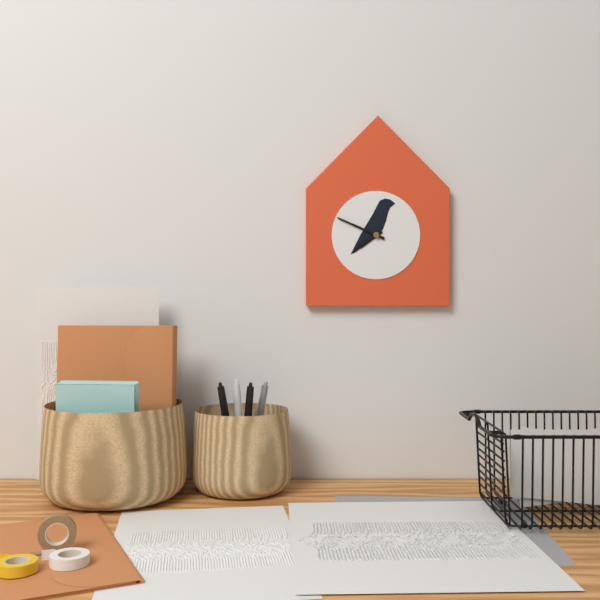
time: 7:49
